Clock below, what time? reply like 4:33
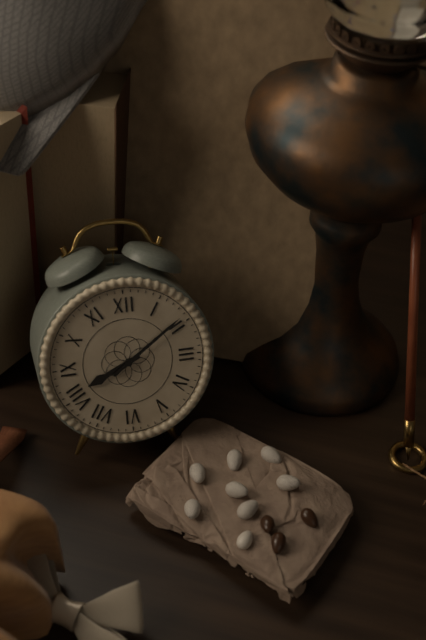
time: 8:09
